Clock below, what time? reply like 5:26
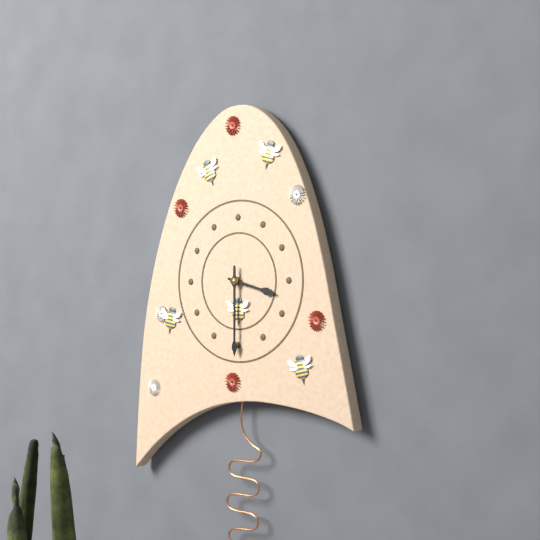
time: 3:30
